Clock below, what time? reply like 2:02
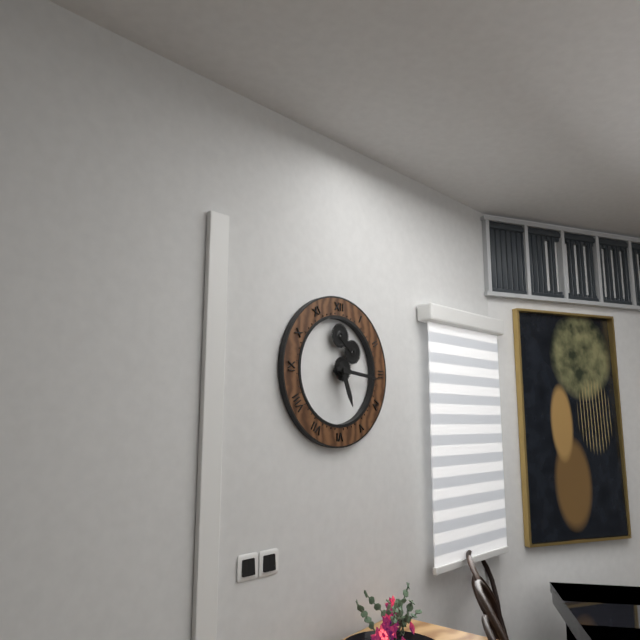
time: 5:16
